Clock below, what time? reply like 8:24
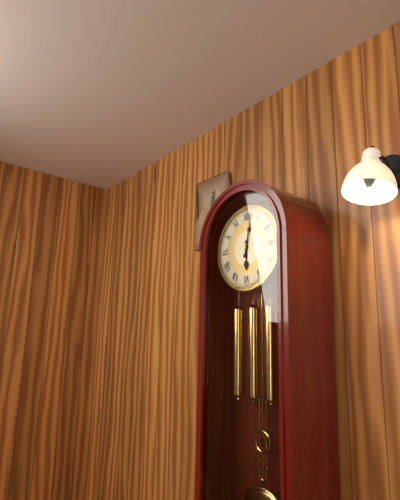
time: 6:02
